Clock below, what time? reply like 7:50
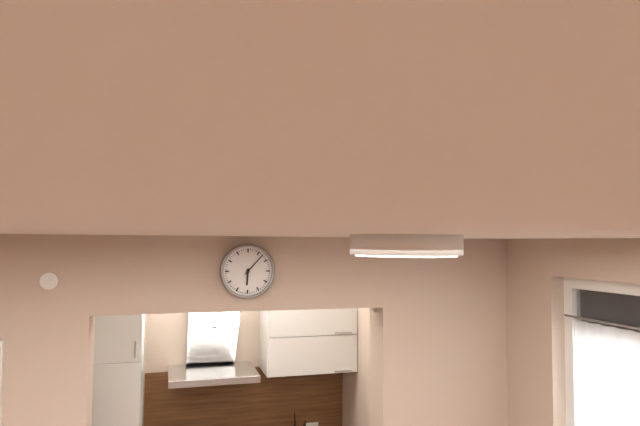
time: 6:07
